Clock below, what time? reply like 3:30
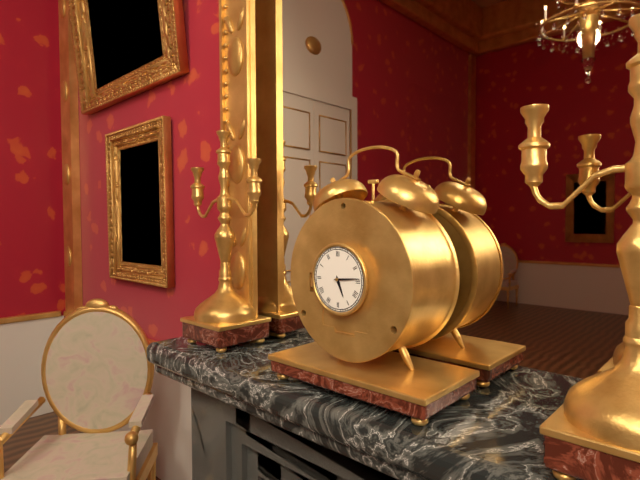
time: 5:14
